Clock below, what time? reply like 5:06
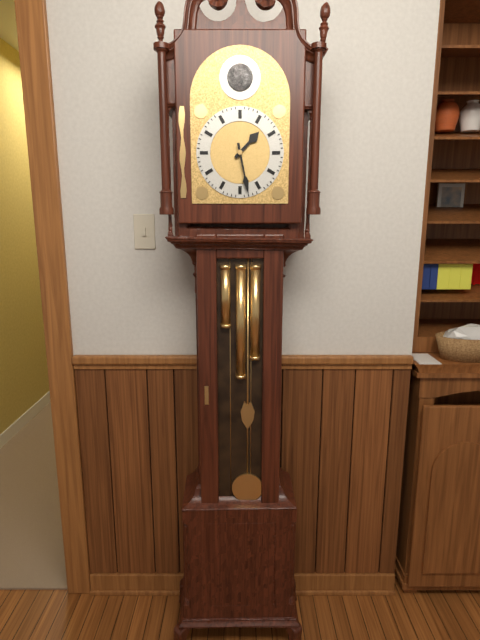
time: 1:28
